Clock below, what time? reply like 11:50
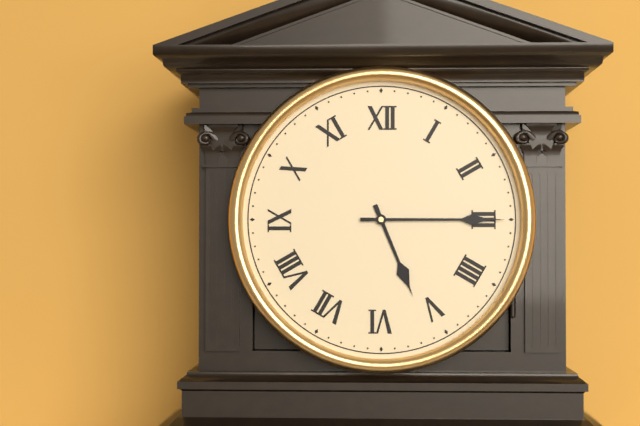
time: 5:15
